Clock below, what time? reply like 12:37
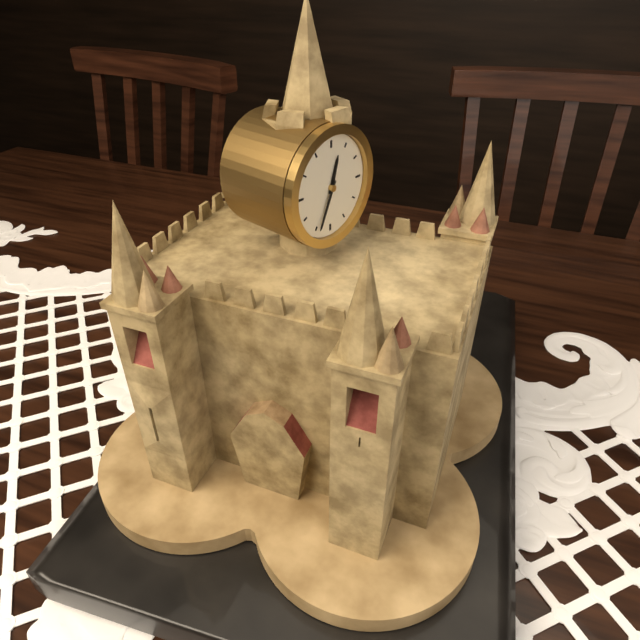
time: 12:34
